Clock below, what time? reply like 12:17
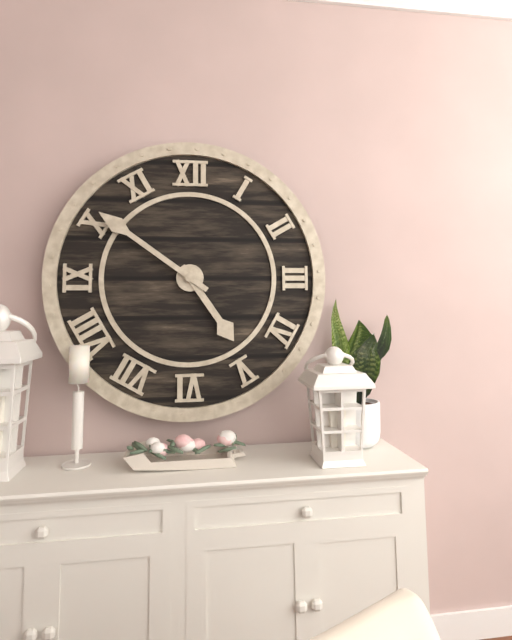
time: 4:51
